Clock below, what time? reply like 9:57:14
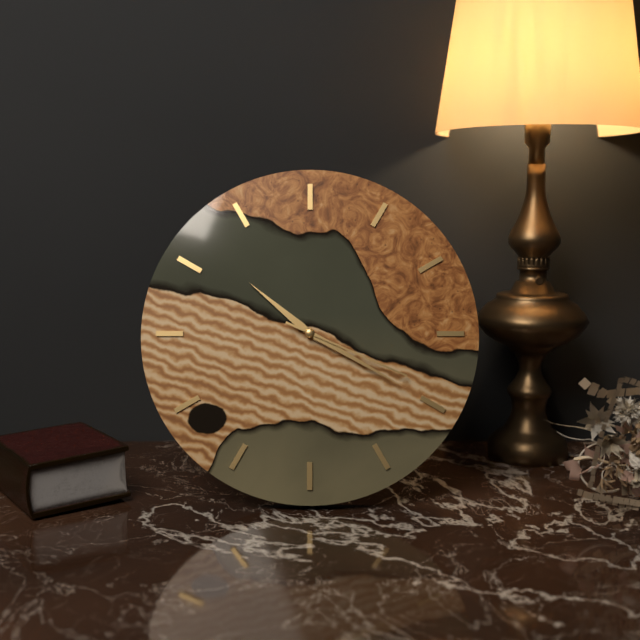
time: 10:20:19
